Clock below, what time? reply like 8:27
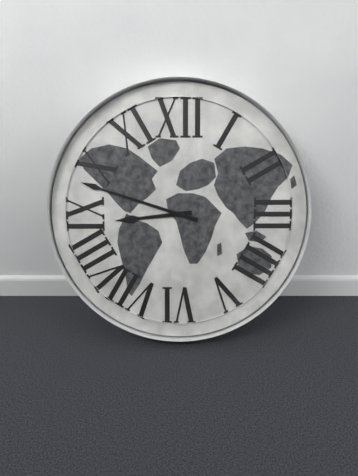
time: 8:48
